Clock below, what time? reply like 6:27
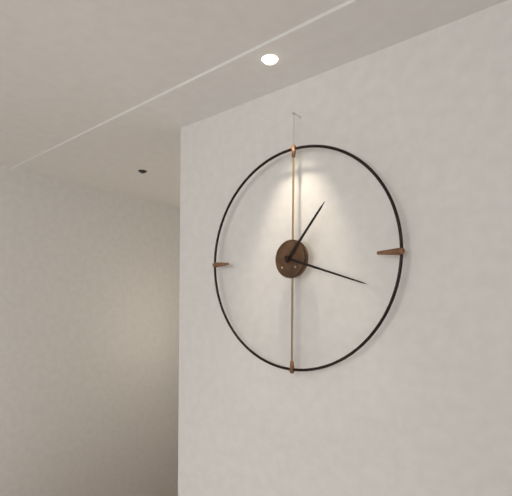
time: 1:18
